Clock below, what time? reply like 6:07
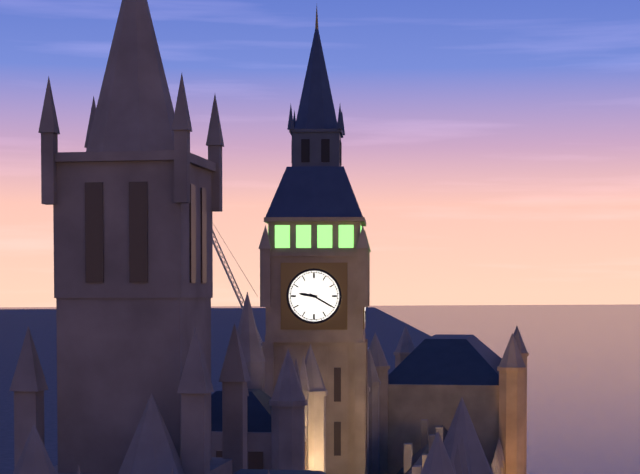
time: 9:20
